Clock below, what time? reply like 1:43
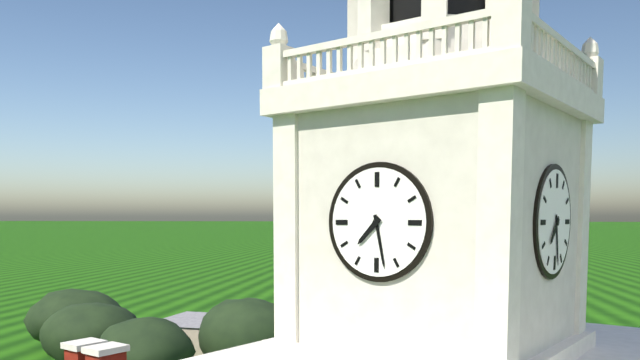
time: 7:28
